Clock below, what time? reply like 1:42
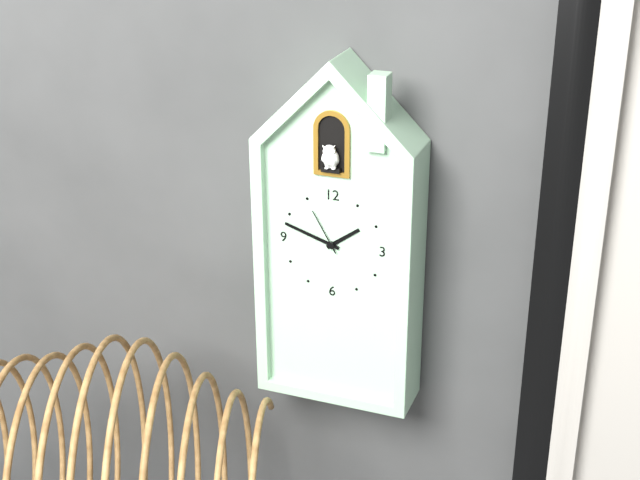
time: 1:48
